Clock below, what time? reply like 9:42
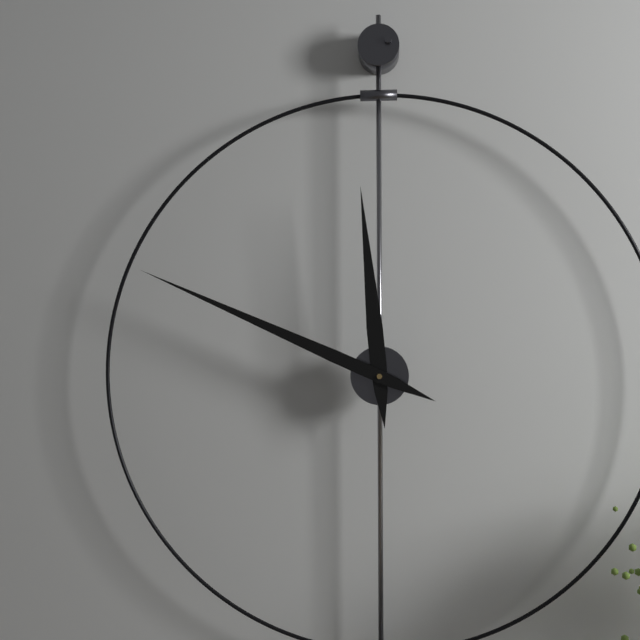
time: 11:49
